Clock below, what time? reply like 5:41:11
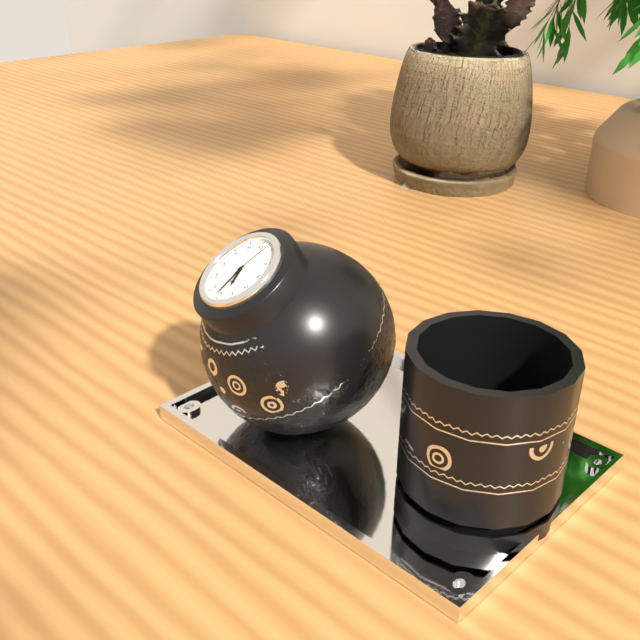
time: 5:31:03
